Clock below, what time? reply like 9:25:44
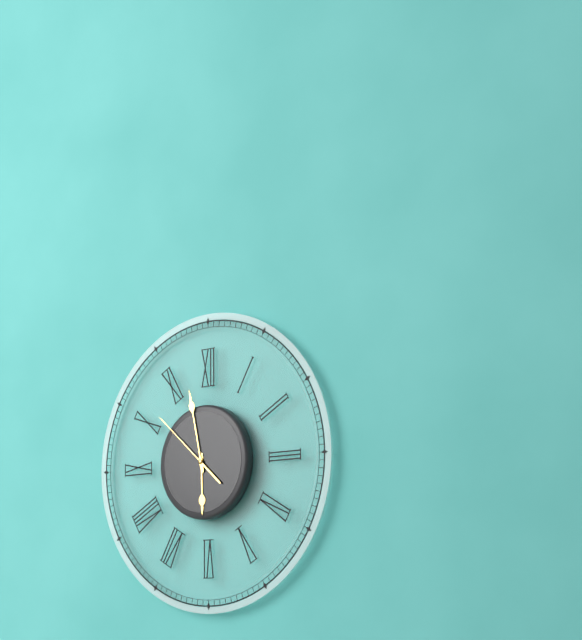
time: 5:58:52
